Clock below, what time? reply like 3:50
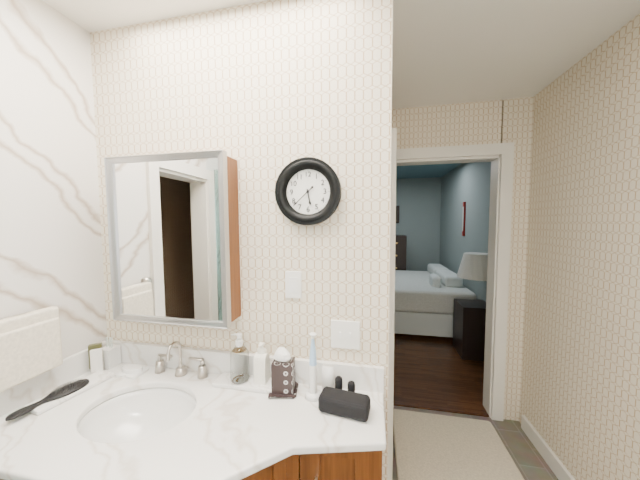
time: 5:38
